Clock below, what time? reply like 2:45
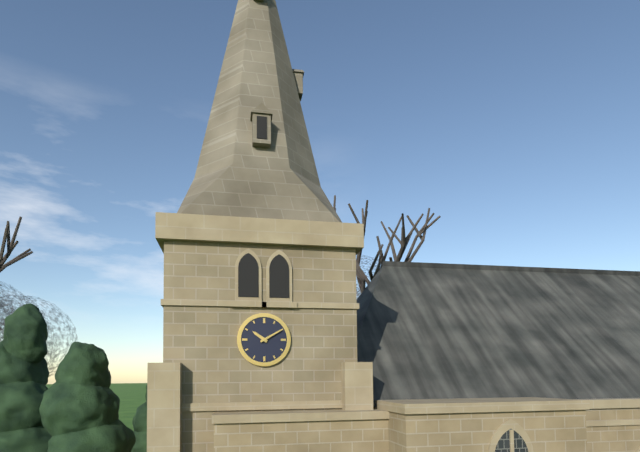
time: 10:10
